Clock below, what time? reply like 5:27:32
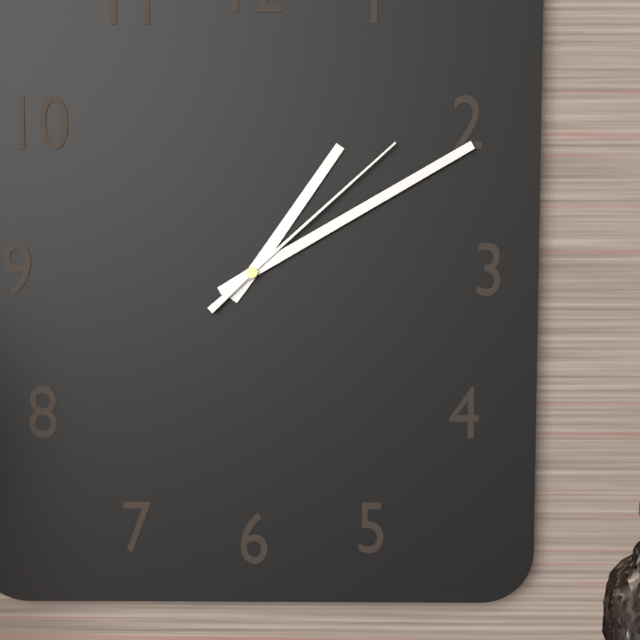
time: 1:10:08
